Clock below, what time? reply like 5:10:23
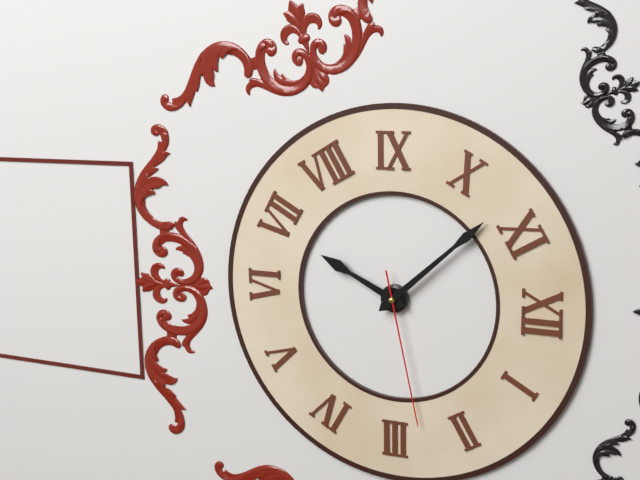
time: 6:53:13
